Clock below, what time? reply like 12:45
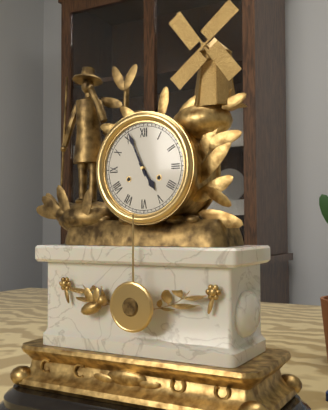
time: 4:56
